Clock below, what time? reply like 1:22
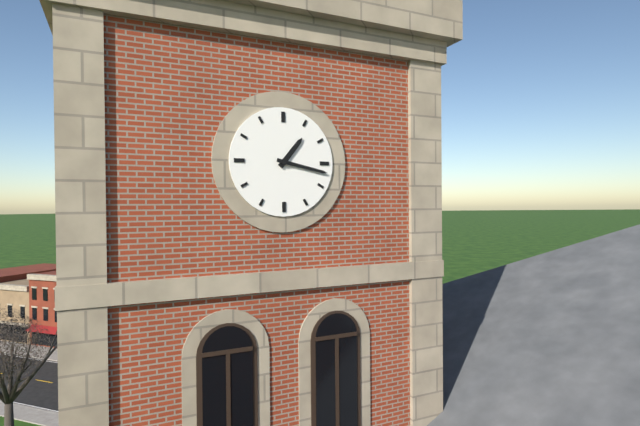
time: 1:17
